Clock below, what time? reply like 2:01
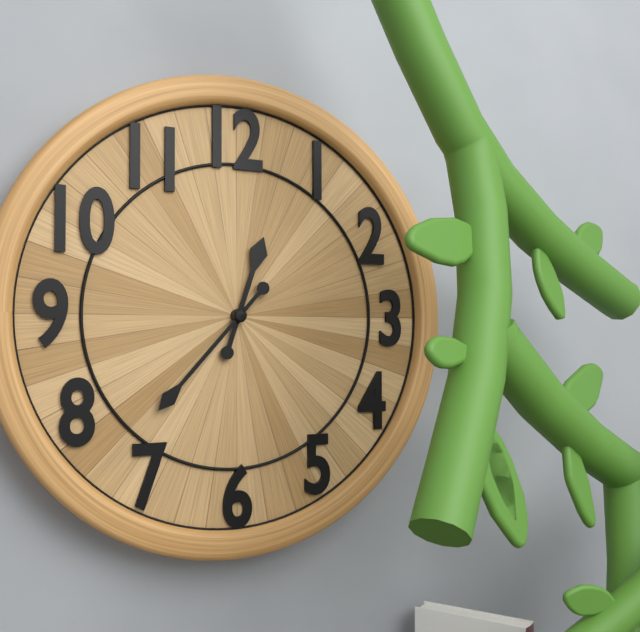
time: 12:37
